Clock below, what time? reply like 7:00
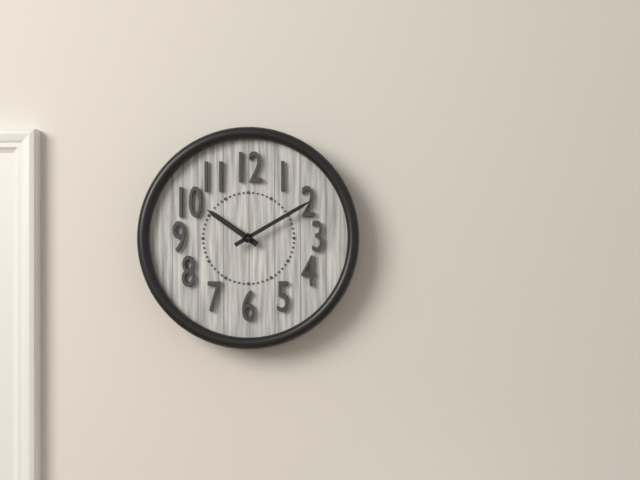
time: 10:10
